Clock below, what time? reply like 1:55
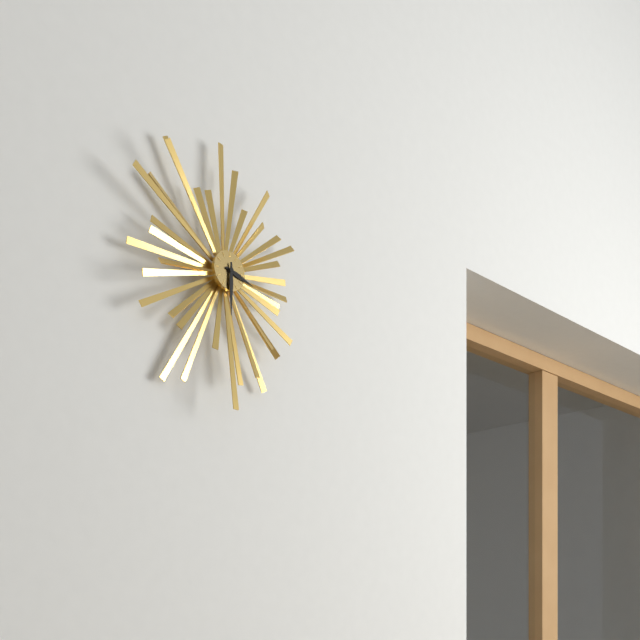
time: 3:30
